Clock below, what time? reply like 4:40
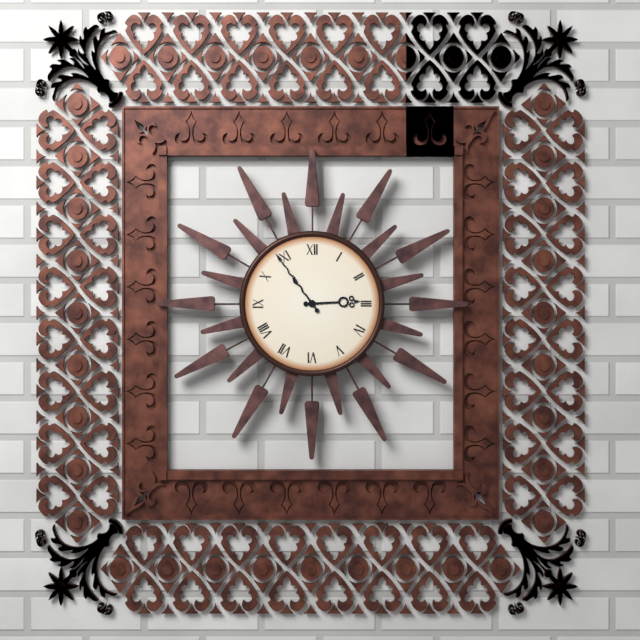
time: 2:54
